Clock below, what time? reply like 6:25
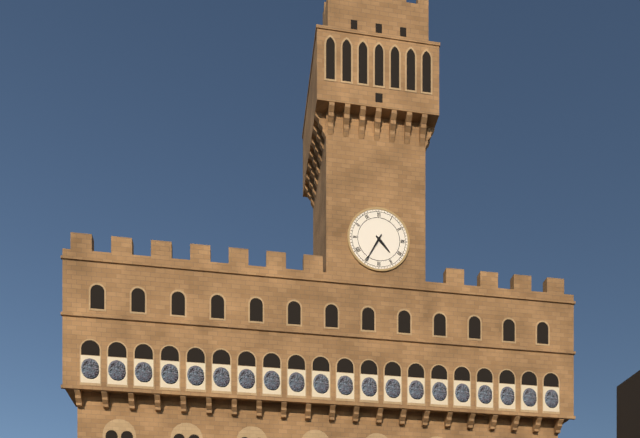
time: 4:35
